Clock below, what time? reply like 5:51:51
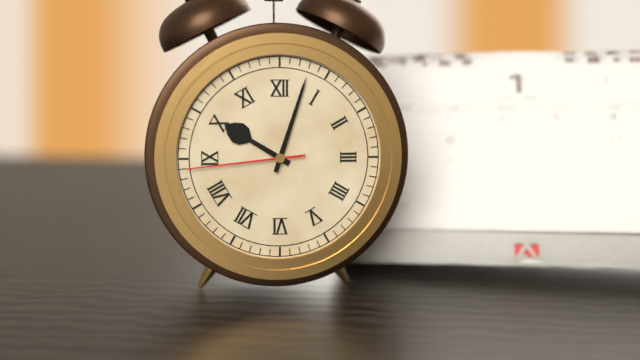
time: 10:03:44
